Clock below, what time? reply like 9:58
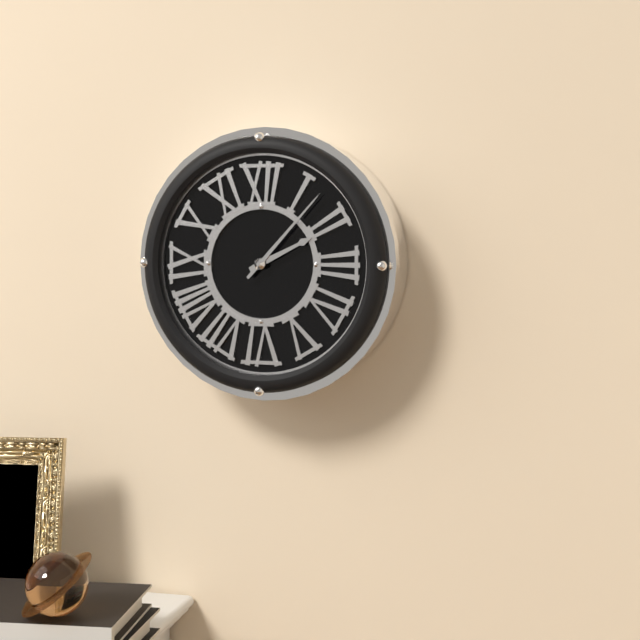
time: 2:07
